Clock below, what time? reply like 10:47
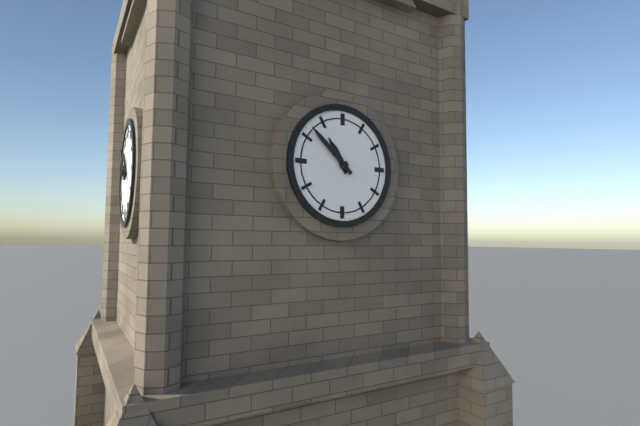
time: 10:52
